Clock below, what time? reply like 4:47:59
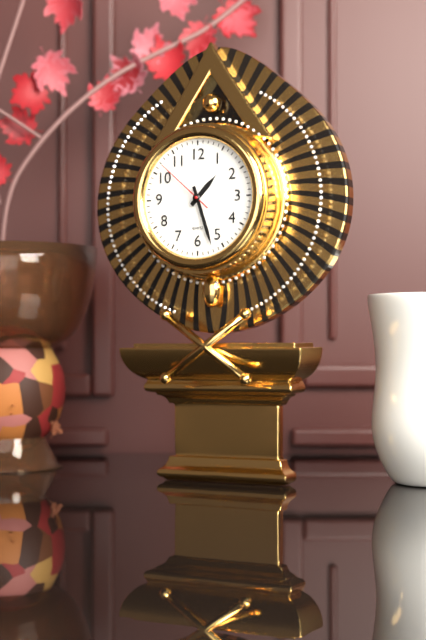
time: 1:27:52
